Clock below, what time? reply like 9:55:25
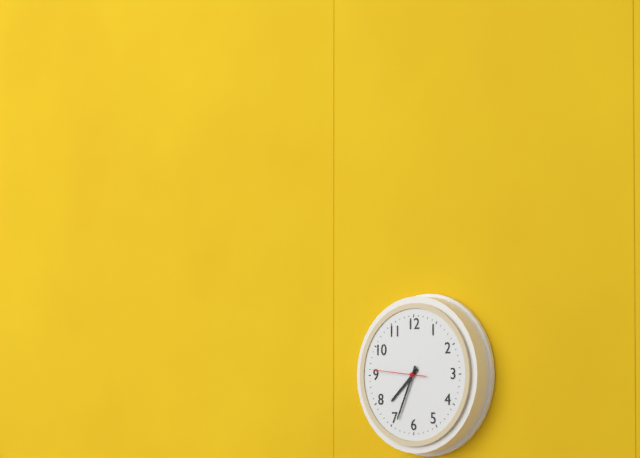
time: 7:34:46
